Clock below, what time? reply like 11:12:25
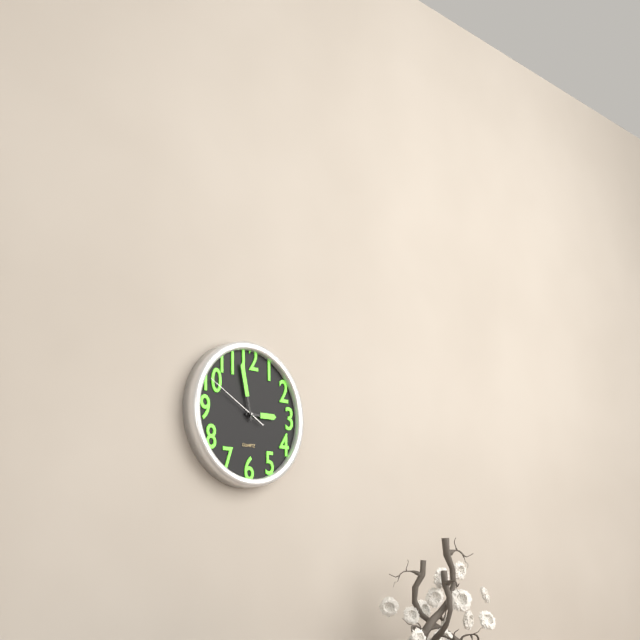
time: 2:58:50
